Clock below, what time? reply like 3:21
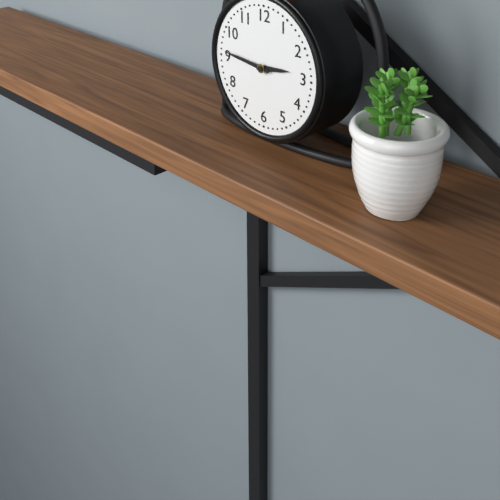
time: 2:46
